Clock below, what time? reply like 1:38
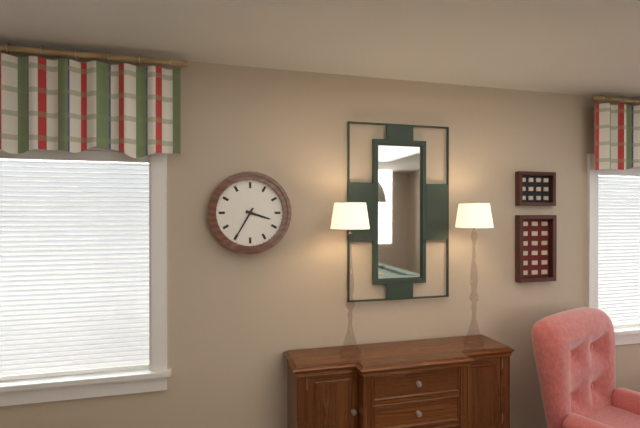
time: 3:35
